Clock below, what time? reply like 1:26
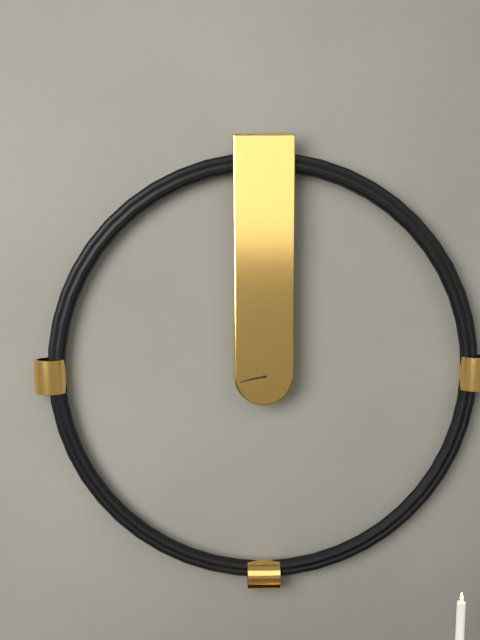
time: 8:43
